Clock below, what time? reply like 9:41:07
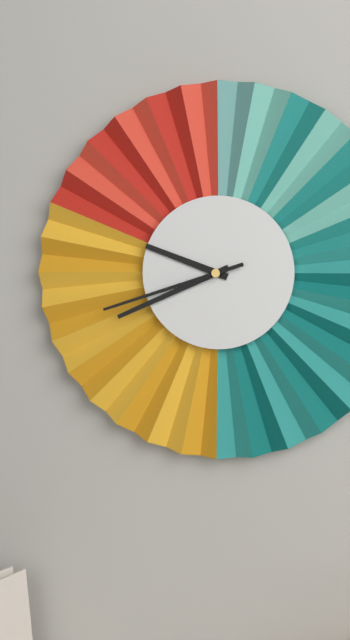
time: 9:41:42
